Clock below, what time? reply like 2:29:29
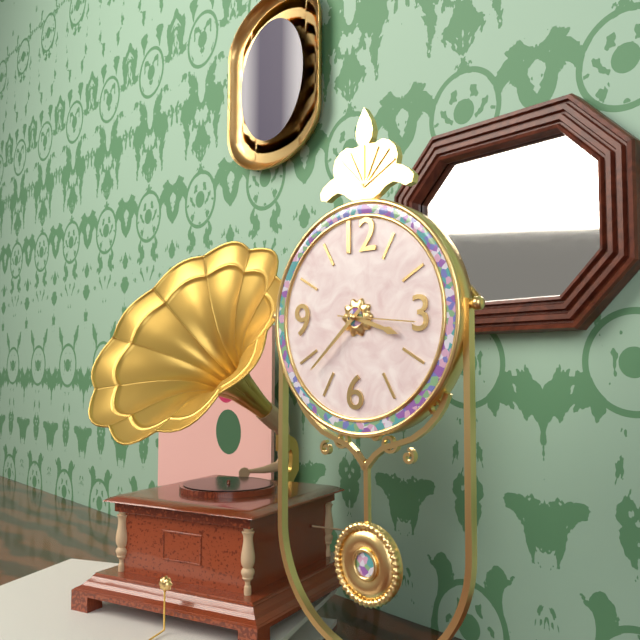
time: 3:38:16
